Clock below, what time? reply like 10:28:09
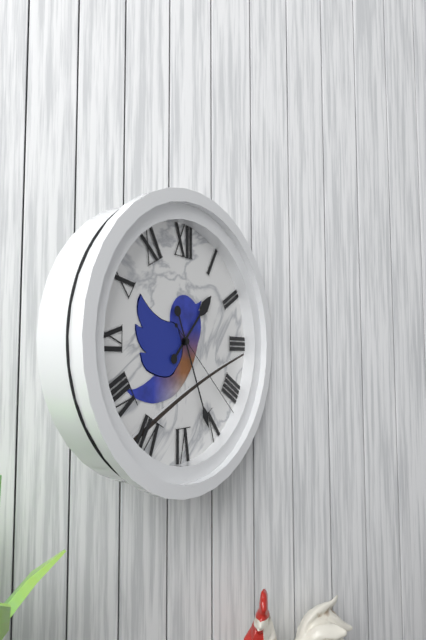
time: 1:26:22
